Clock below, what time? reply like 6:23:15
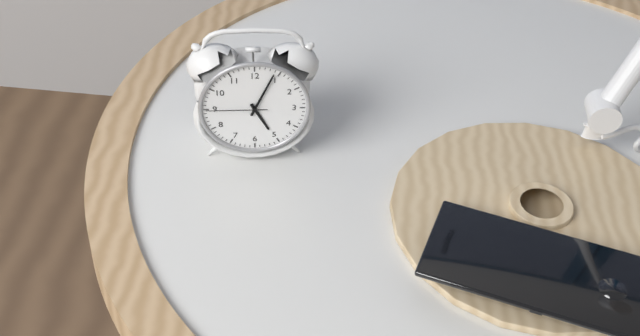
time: 5:04:45
